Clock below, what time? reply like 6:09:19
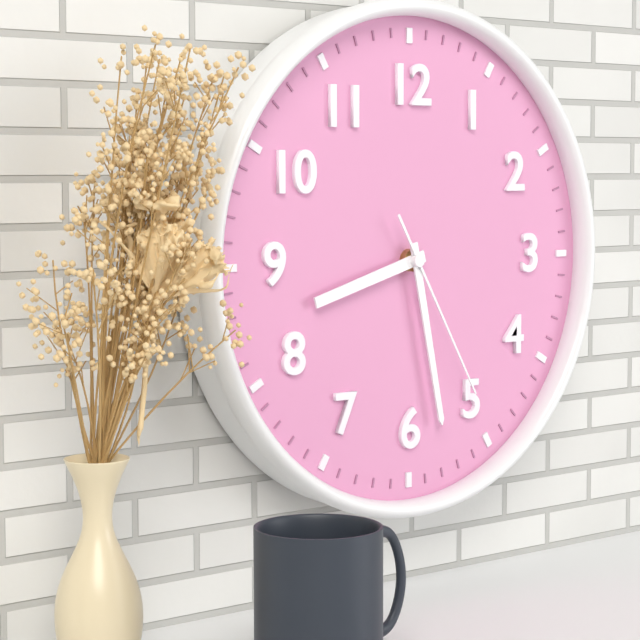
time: 8:28:25
